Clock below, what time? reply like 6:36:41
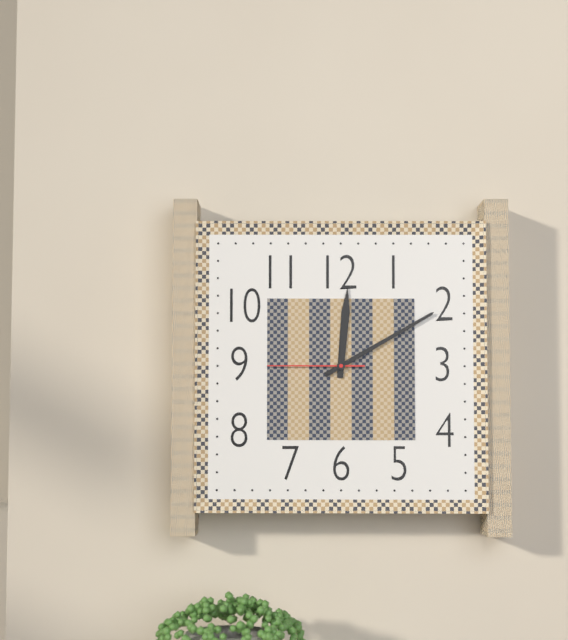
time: 12:10:45
